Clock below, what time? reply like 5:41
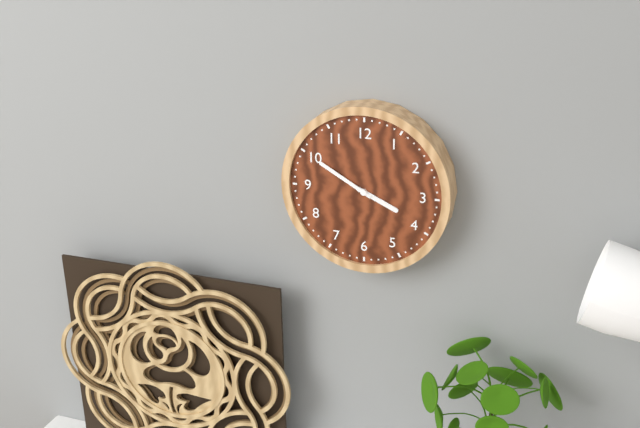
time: 3:50
